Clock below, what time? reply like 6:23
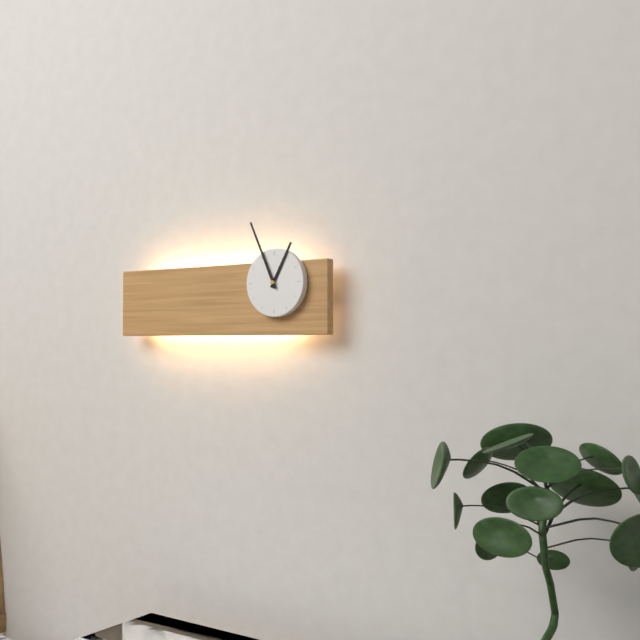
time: 12:56
